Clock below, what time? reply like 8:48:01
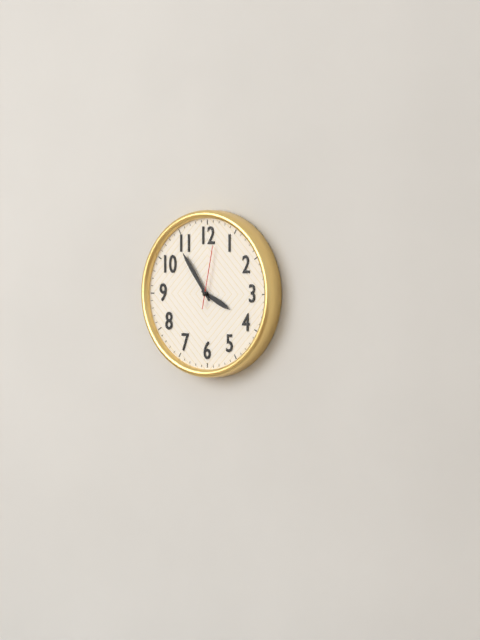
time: 3:54:02
